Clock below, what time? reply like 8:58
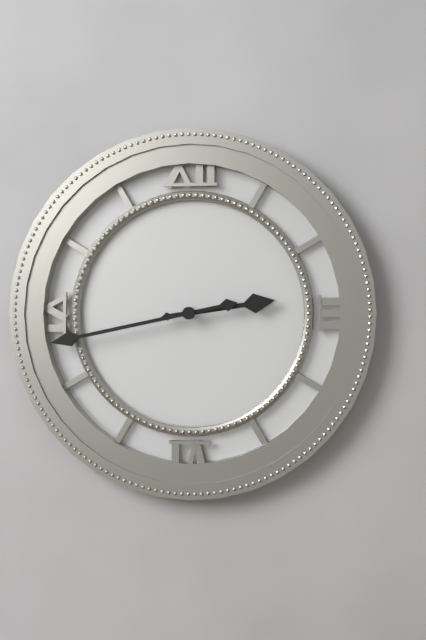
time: 2:43
